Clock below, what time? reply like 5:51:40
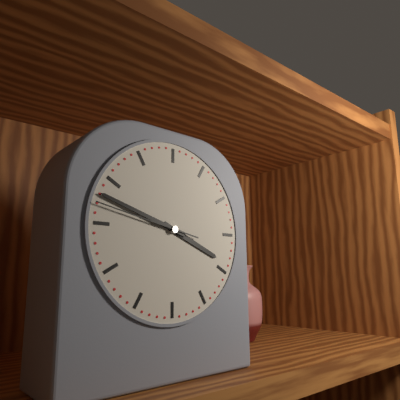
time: 3:48:47
